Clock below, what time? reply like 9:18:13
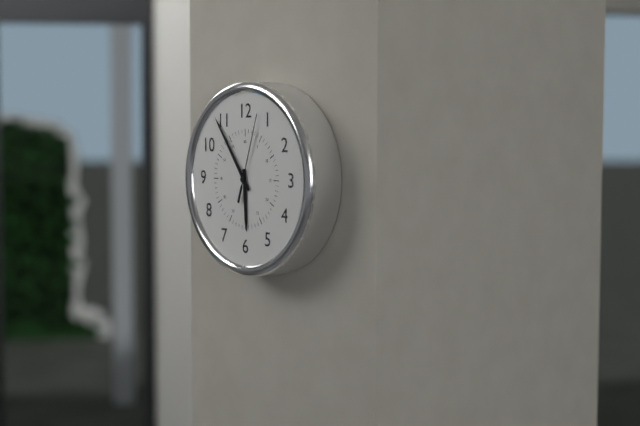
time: 5:54:03
